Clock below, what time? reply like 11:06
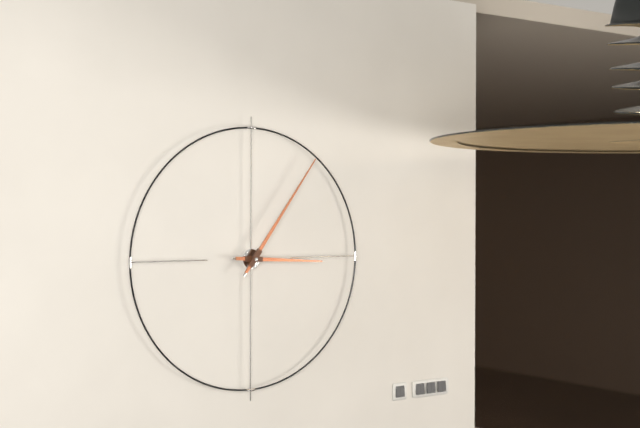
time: 3:06
